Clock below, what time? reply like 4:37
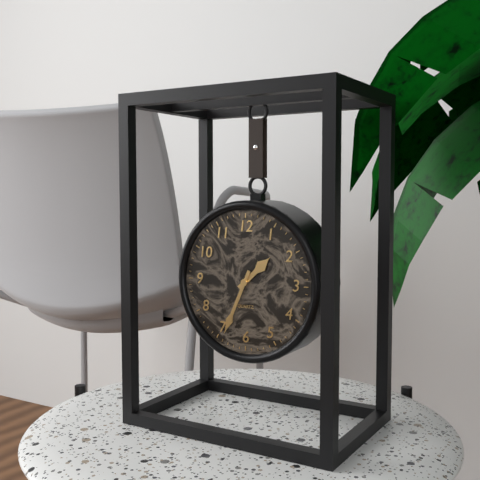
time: 1:34
